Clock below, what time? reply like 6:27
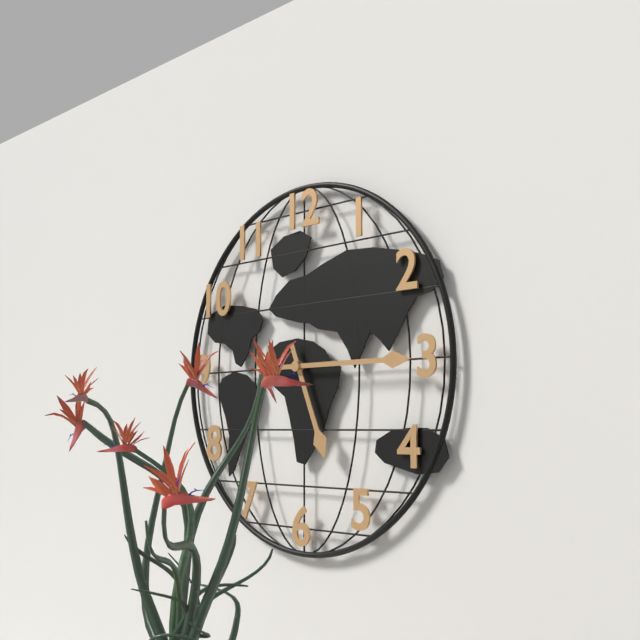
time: 5:15
